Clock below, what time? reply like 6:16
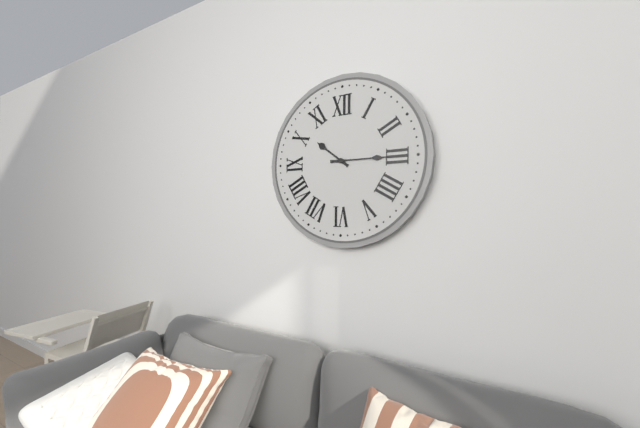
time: 10:15
